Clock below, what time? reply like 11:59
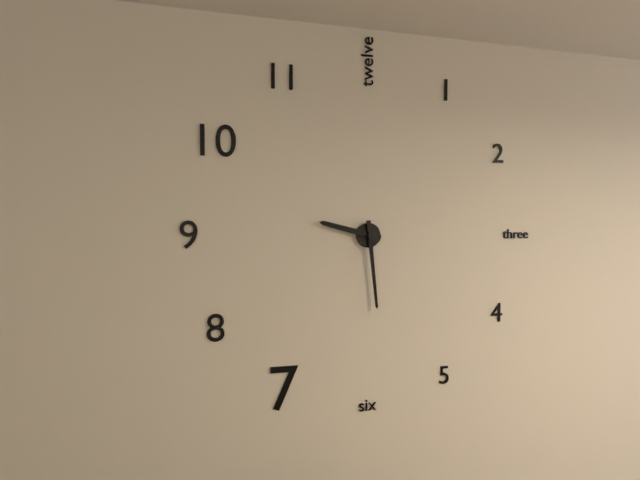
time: 9:29
